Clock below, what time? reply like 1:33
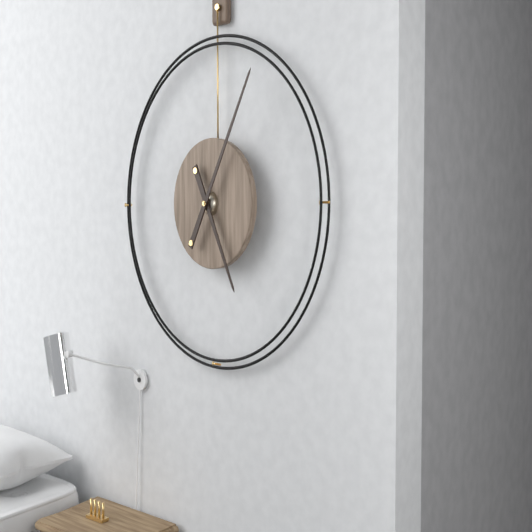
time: 5:05
